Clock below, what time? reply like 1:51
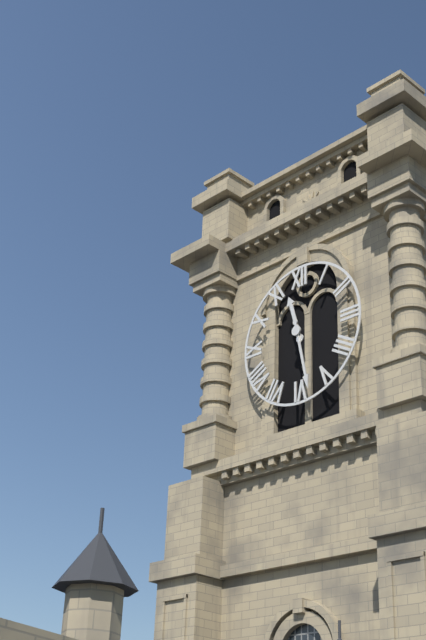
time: 11:28
